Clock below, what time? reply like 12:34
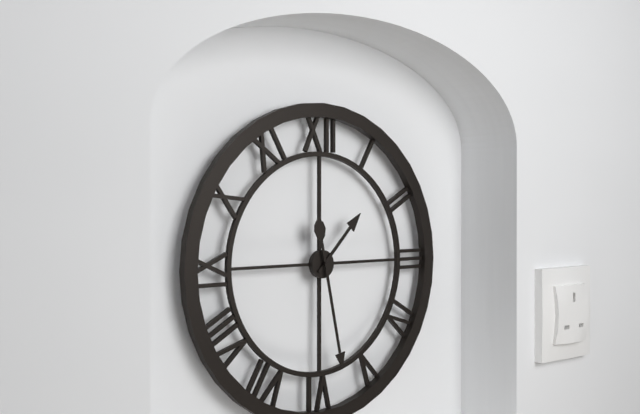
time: 1:28
